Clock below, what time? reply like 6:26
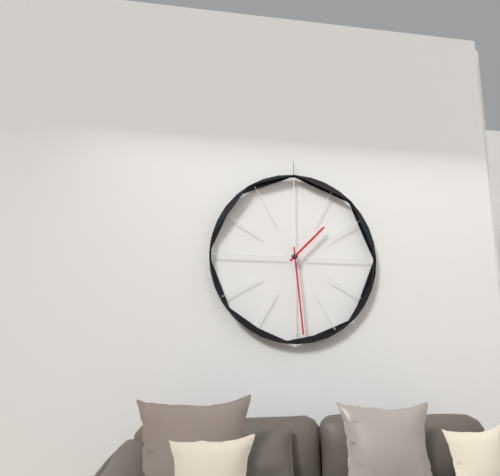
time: 1:29
